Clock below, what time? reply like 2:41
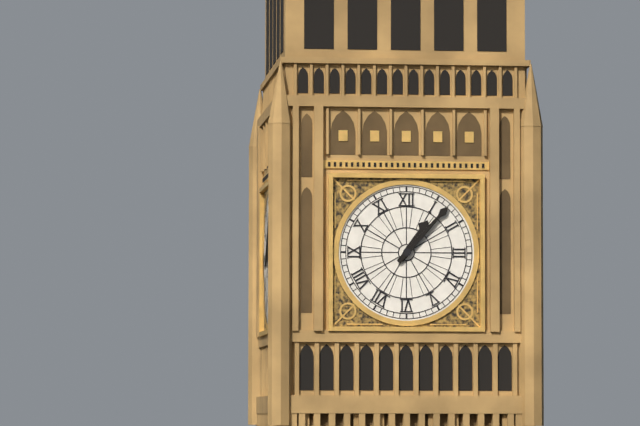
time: 1:07
